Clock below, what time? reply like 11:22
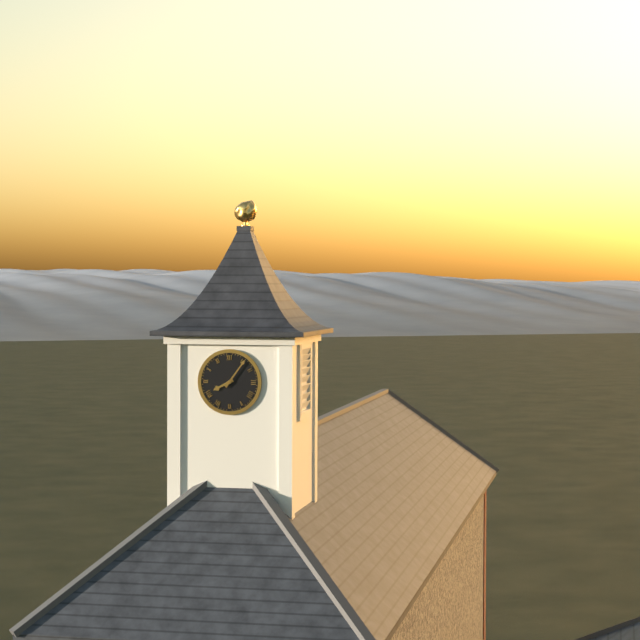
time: 8:06
